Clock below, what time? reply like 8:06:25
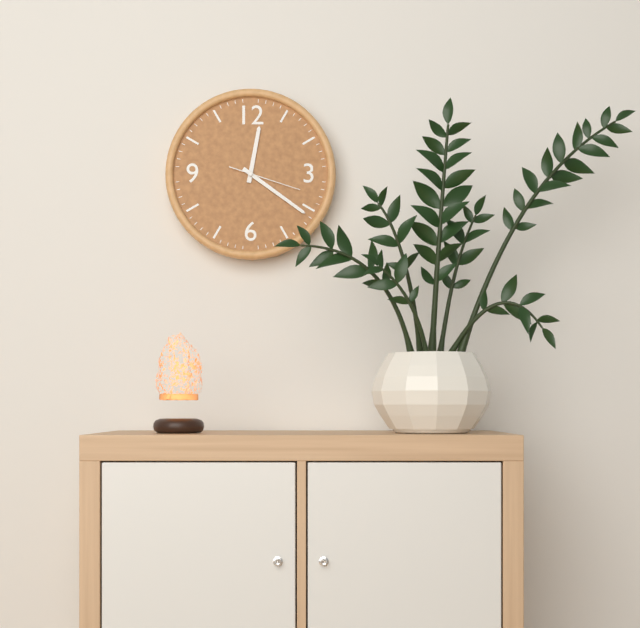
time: 12:21:18
